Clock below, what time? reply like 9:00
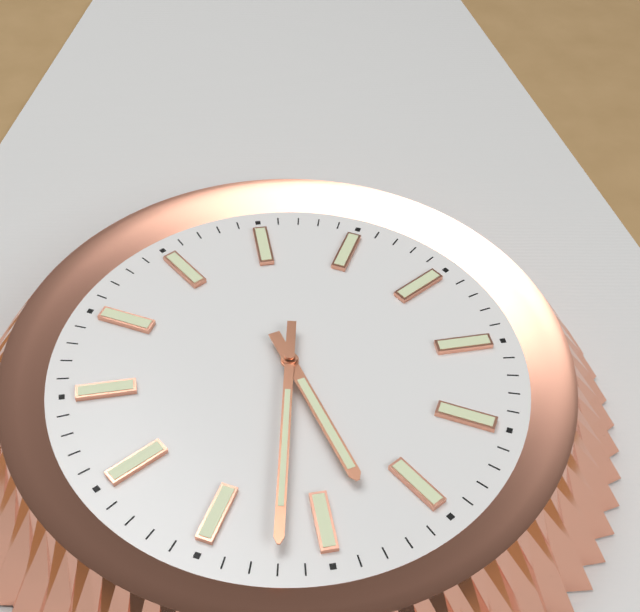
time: 5:32
